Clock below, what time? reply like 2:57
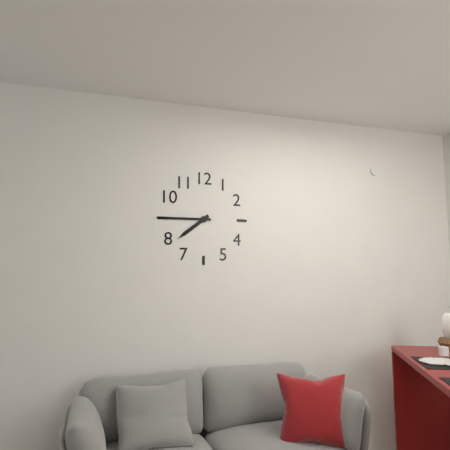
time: 7:45
